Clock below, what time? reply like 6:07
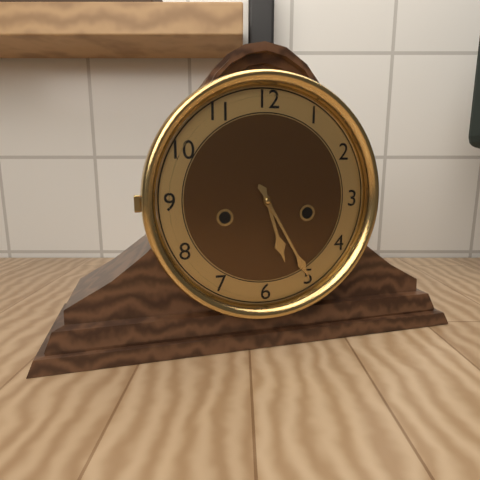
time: 5:25
